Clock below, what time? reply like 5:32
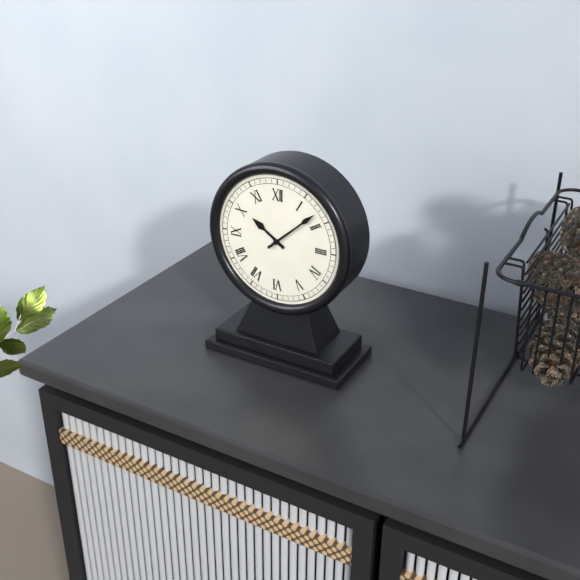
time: 10:08
